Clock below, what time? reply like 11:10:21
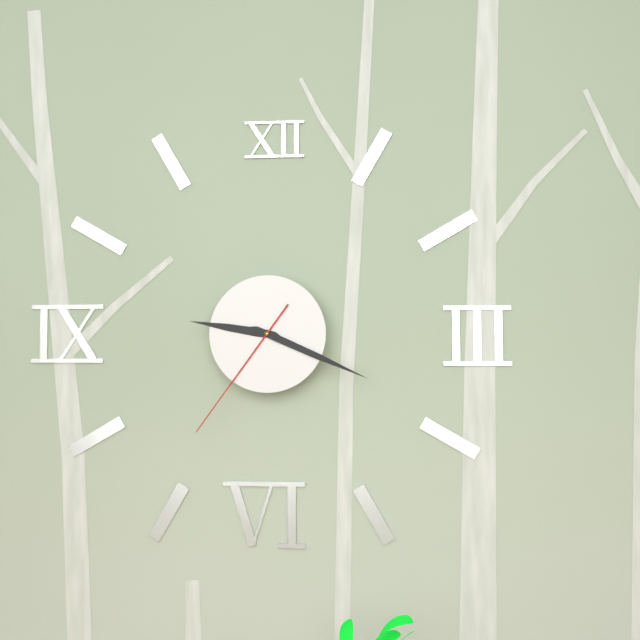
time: 9:19:36
